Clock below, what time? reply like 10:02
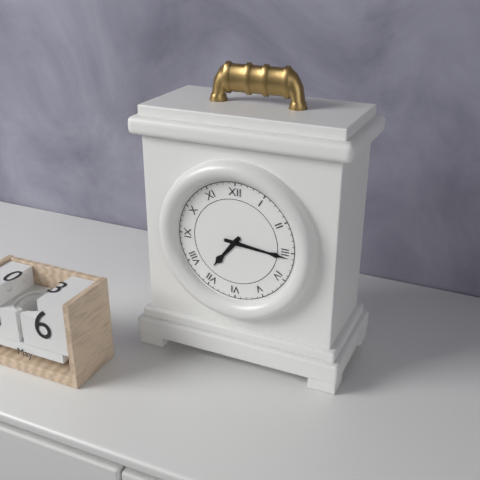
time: 7:16
